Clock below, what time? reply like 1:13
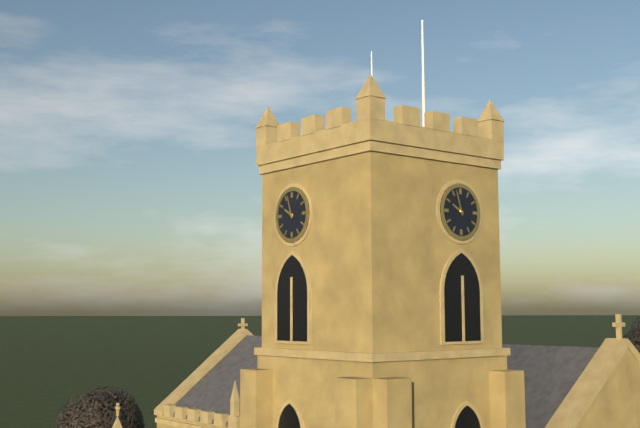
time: 9:57
